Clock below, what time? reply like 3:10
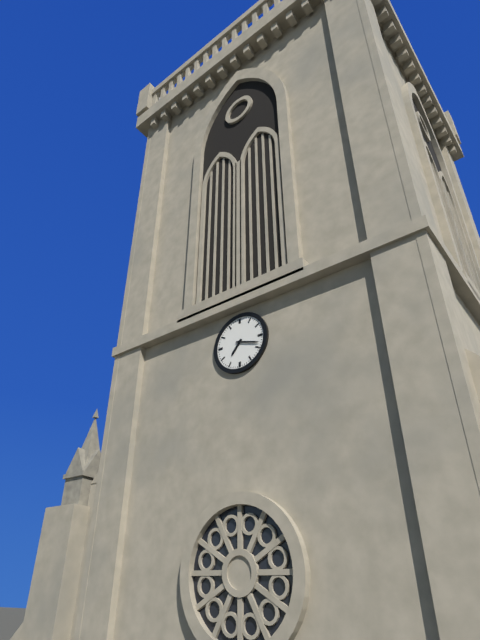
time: 7:18
